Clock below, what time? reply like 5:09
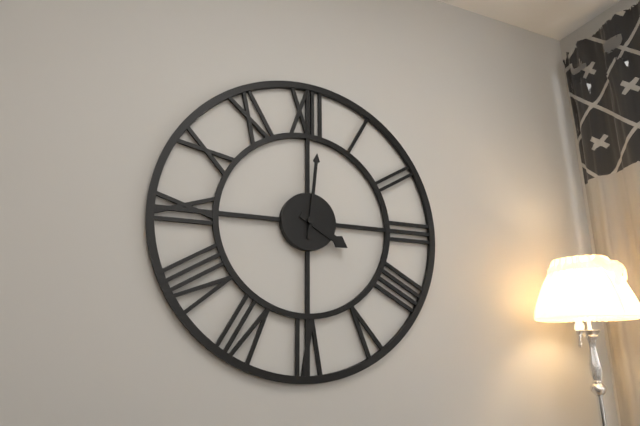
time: 4:01
